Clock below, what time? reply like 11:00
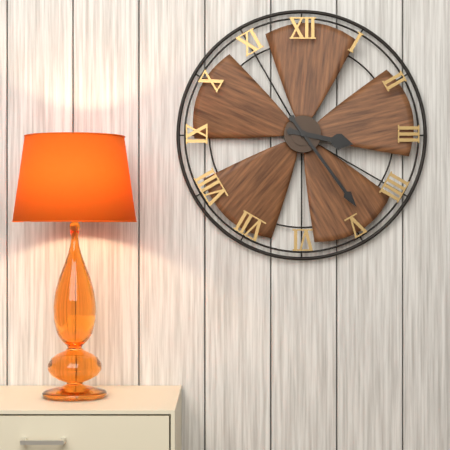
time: 3:24
